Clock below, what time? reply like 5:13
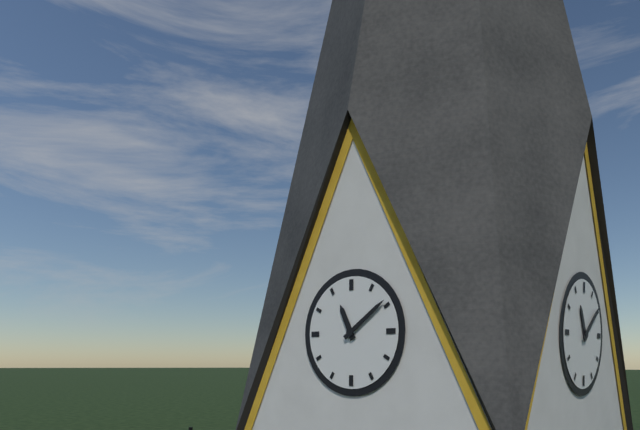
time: 11:09
